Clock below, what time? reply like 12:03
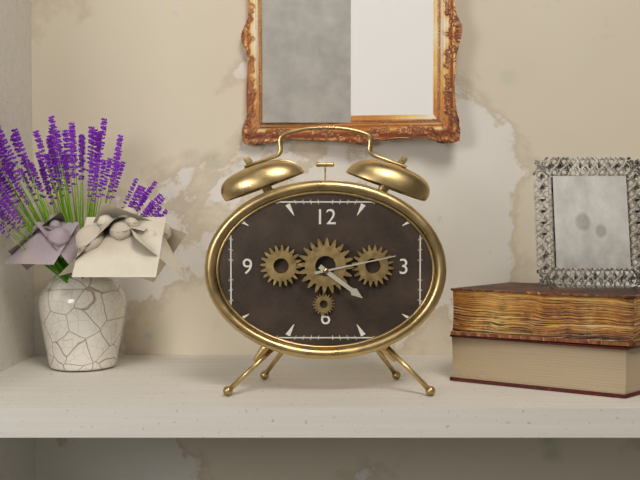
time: 4:13
